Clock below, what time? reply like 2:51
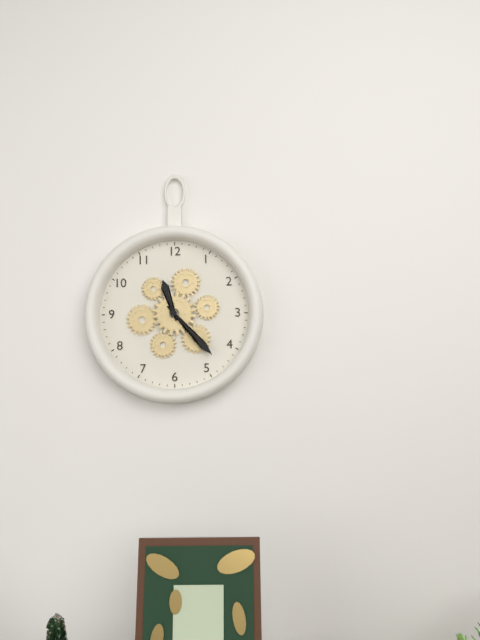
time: 11:23
